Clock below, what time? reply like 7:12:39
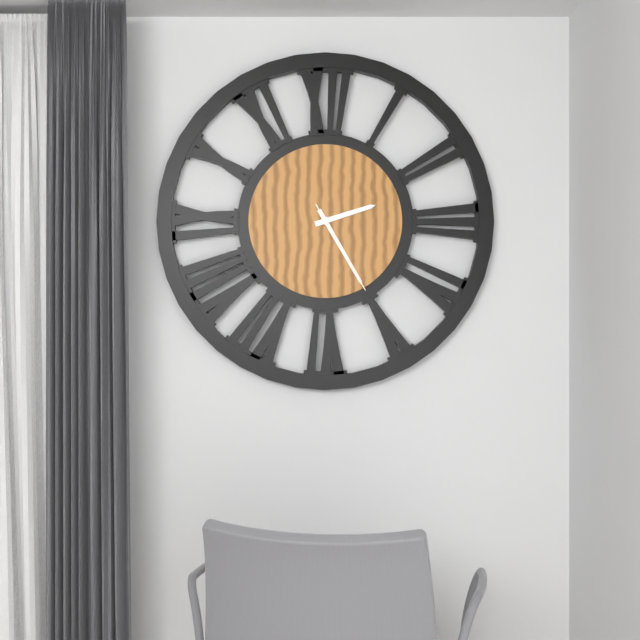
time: 2:25:25
